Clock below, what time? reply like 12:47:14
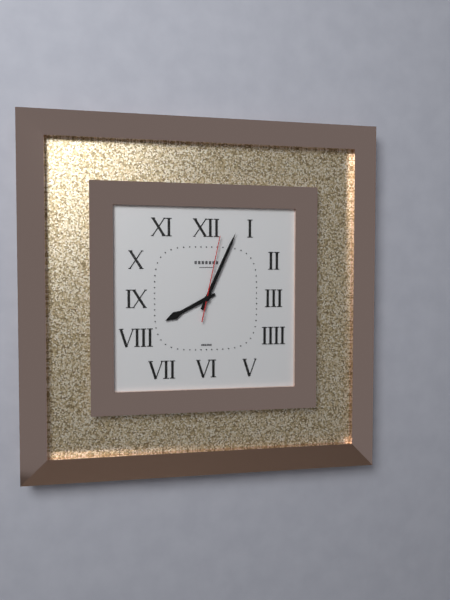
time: 8:04:02
